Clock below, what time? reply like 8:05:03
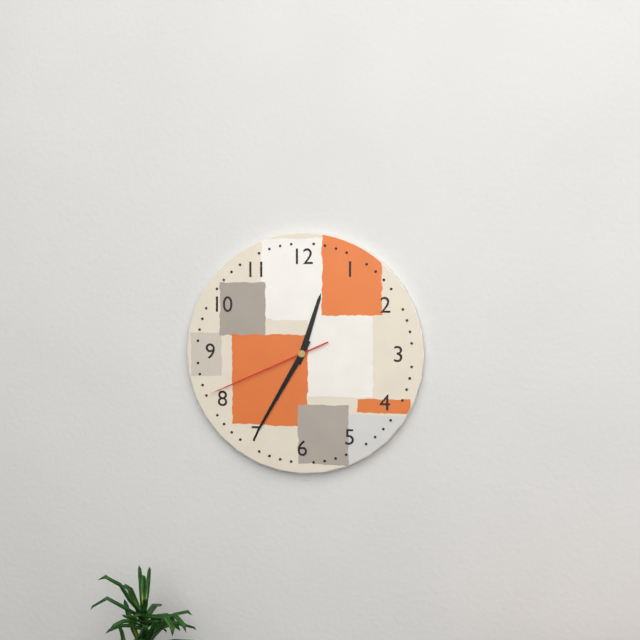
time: 12:35:41
